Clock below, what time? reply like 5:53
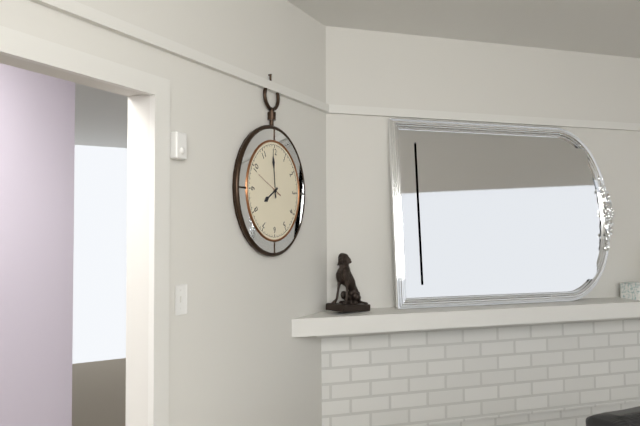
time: 7:59
